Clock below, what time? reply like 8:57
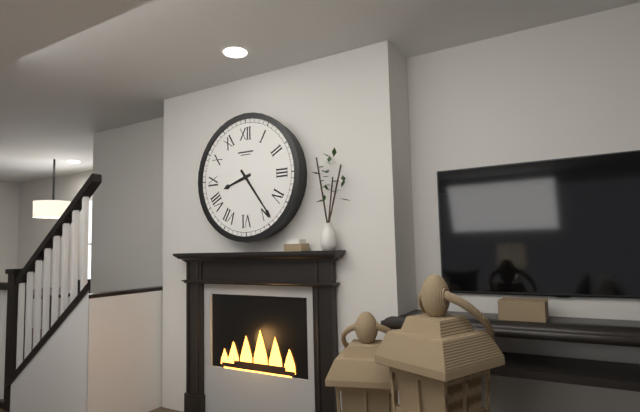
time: 8:24
